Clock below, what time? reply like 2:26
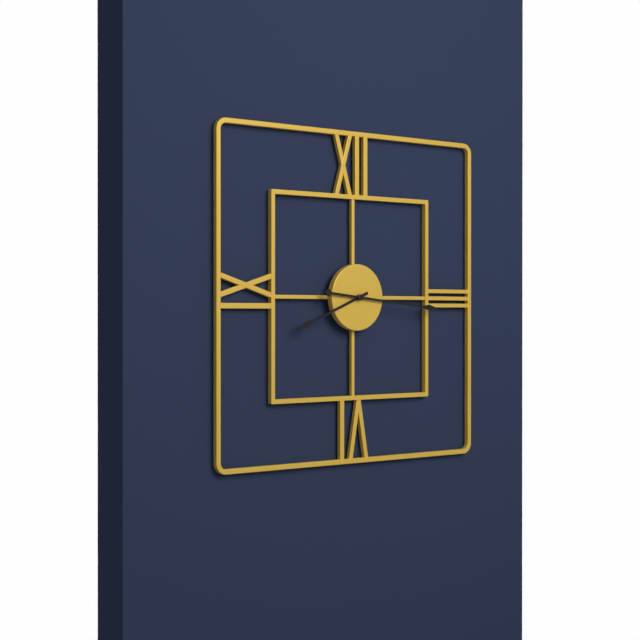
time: 8:16
